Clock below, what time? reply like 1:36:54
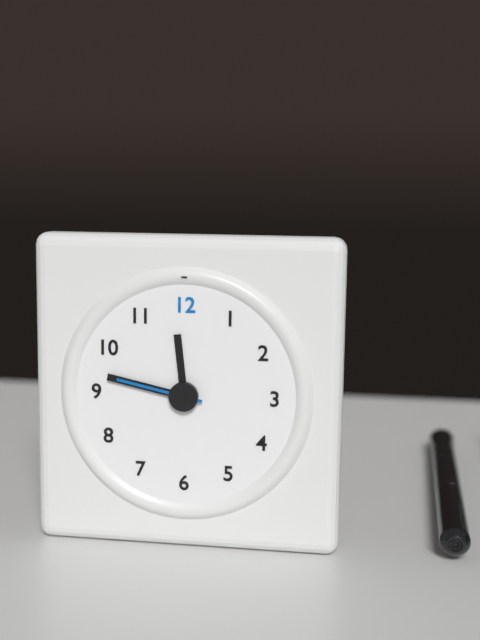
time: 11:47:47
